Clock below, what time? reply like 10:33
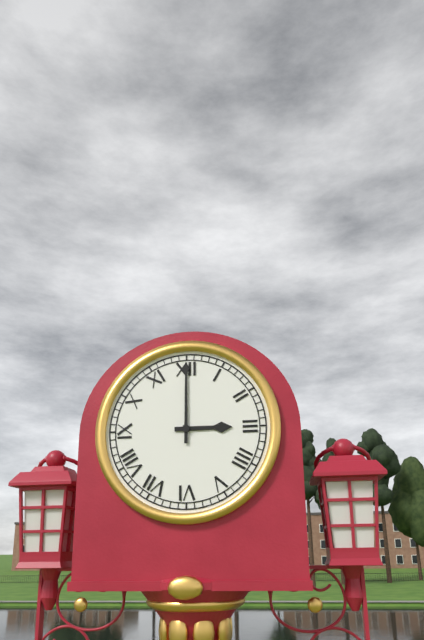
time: 3:00
